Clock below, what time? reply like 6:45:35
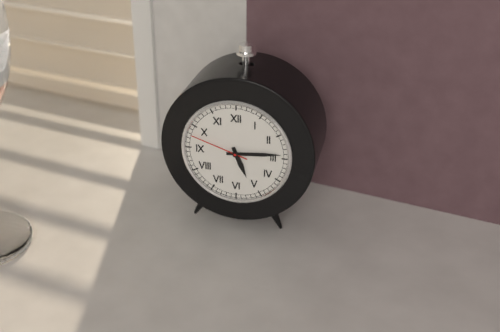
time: 5:14:48
